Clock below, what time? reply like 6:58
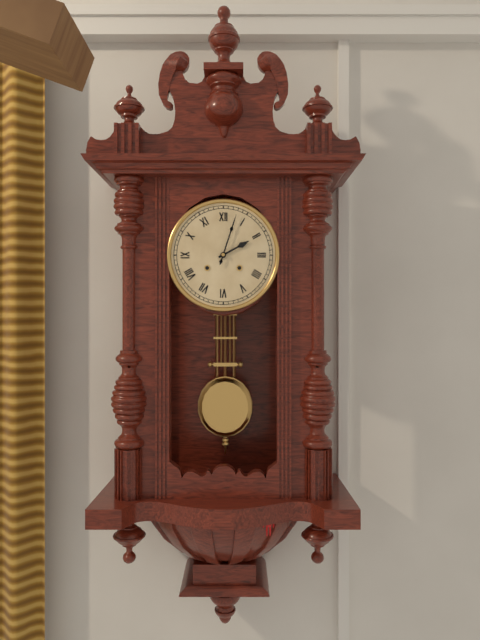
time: 2:03
